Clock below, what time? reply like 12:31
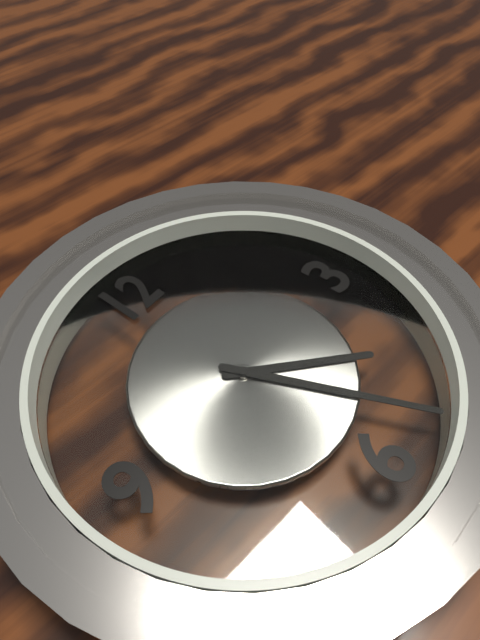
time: 4:26
